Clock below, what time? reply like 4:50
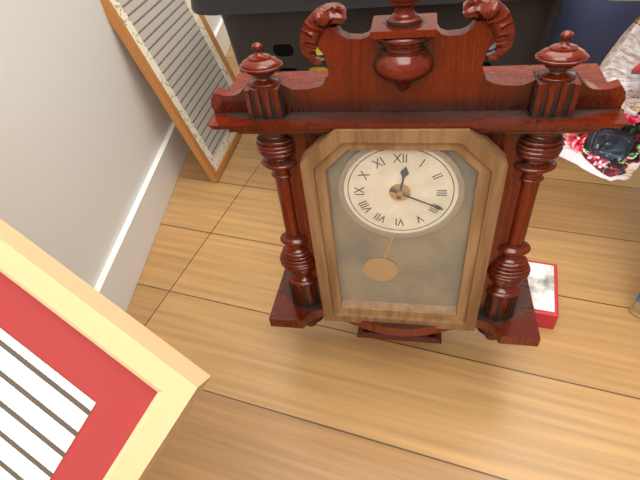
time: 12:19
